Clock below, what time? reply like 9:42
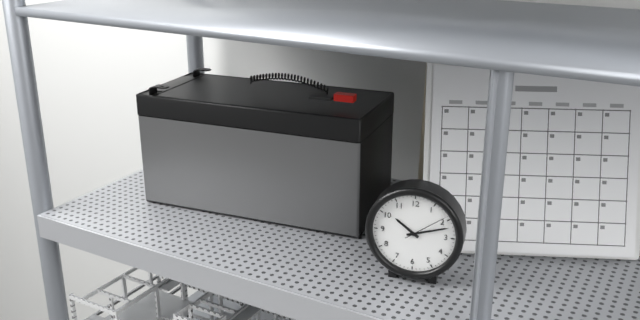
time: 10:12
